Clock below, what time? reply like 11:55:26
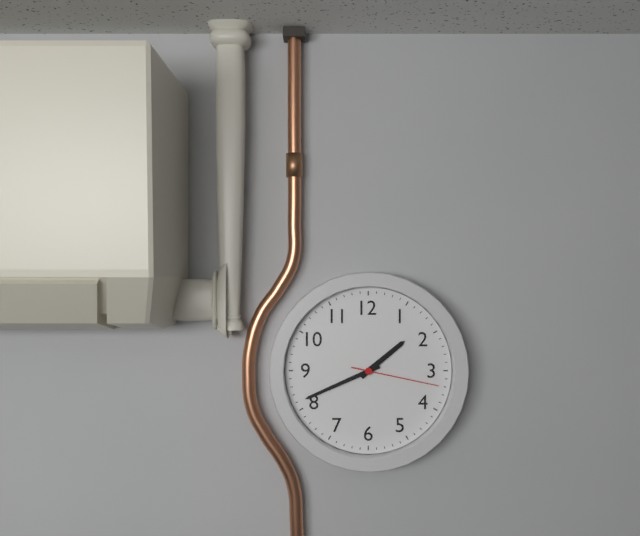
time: 1:41:17
